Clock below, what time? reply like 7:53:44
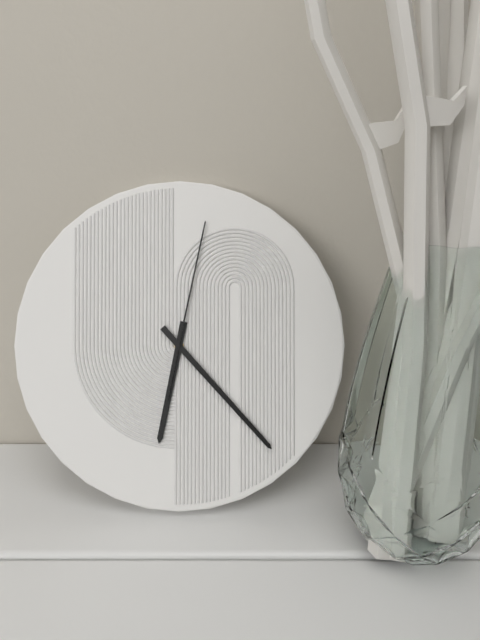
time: 6:23:02
